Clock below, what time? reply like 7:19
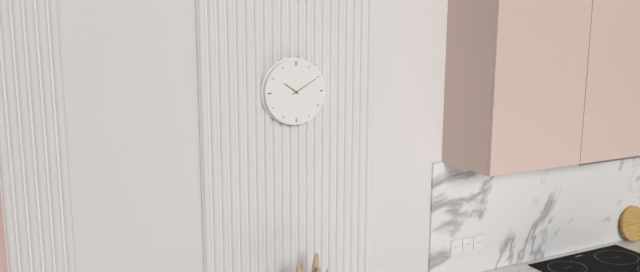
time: 10:10
